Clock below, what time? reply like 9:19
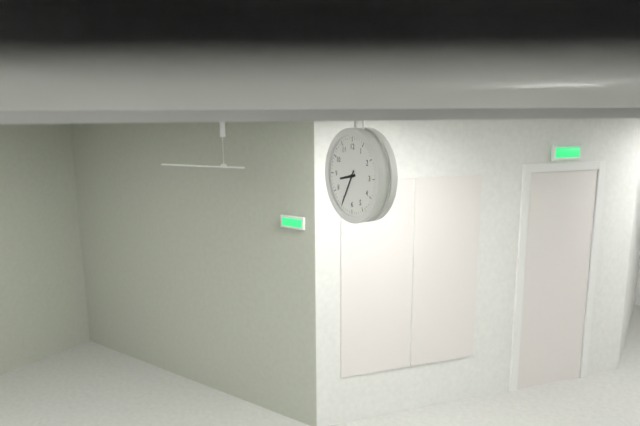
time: 8:35
